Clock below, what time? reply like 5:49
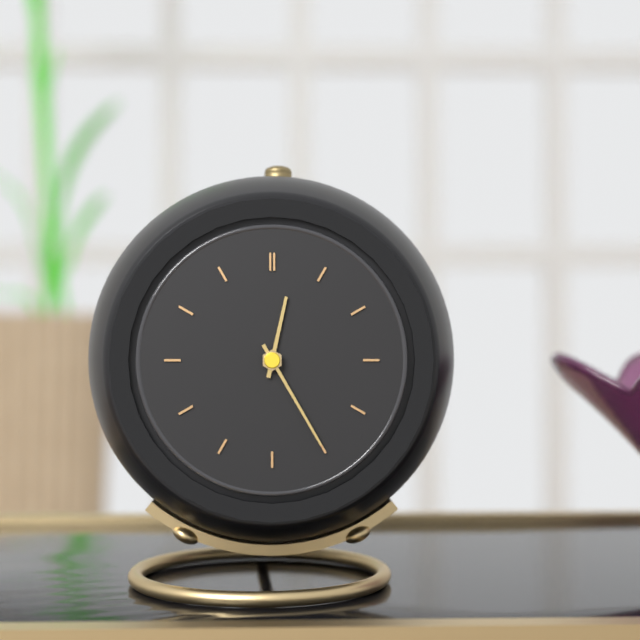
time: 12:25
